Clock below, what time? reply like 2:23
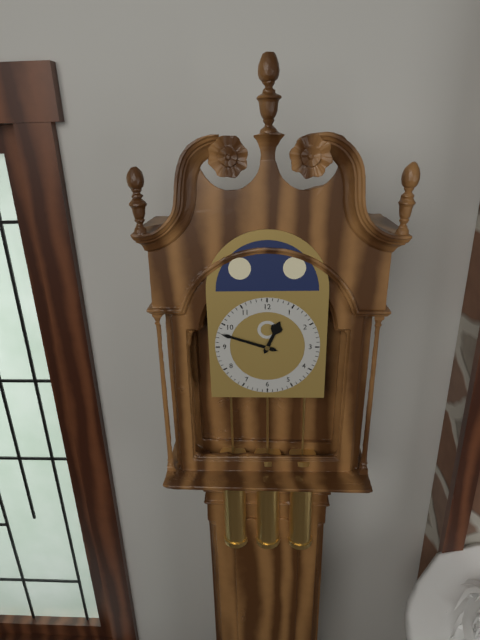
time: 12:48
